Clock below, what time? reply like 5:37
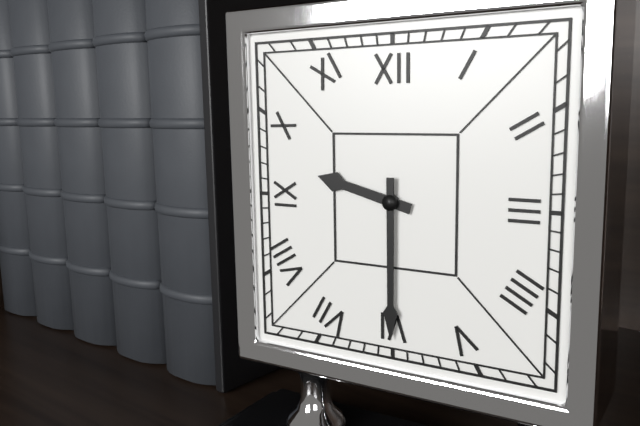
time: 9:30
